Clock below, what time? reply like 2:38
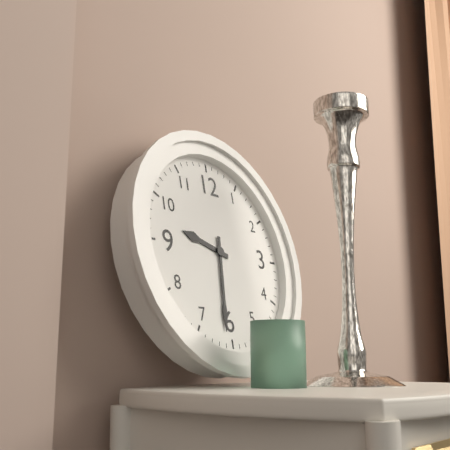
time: 9:31
